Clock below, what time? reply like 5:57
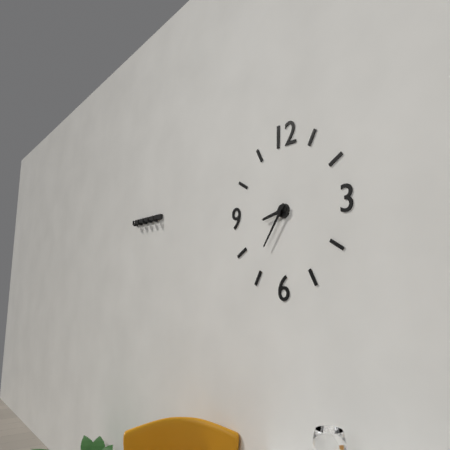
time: 8:36
